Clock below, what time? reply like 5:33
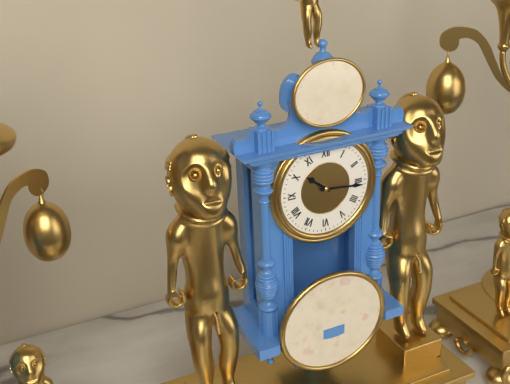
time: 10:16
